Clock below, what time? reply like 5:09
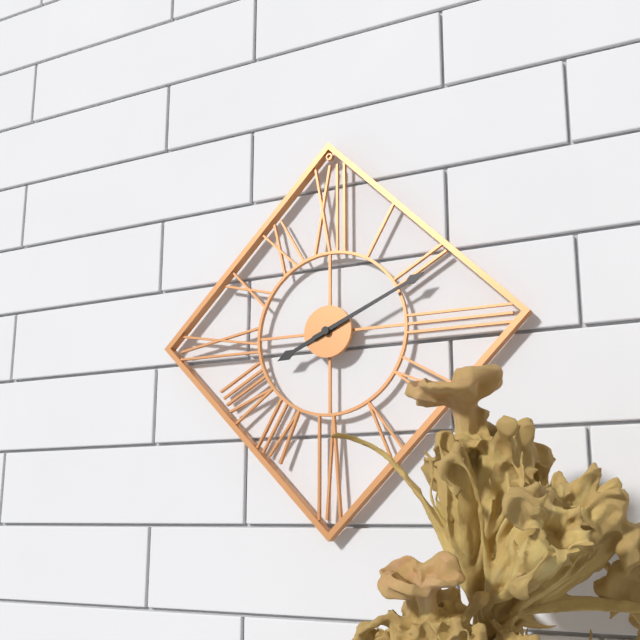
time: 8:11
